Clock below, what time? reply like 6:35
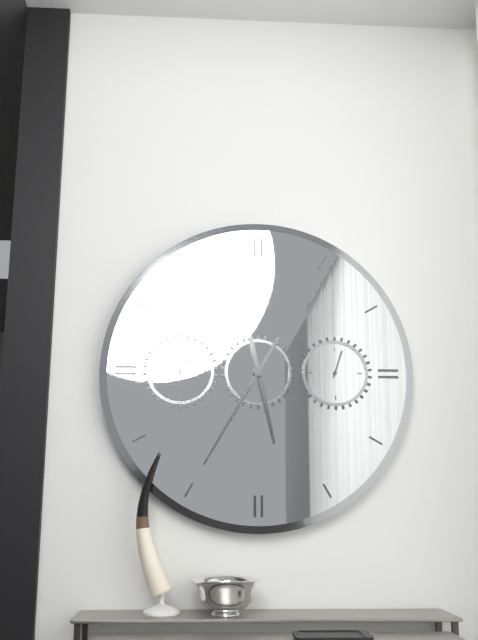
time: 5:35
